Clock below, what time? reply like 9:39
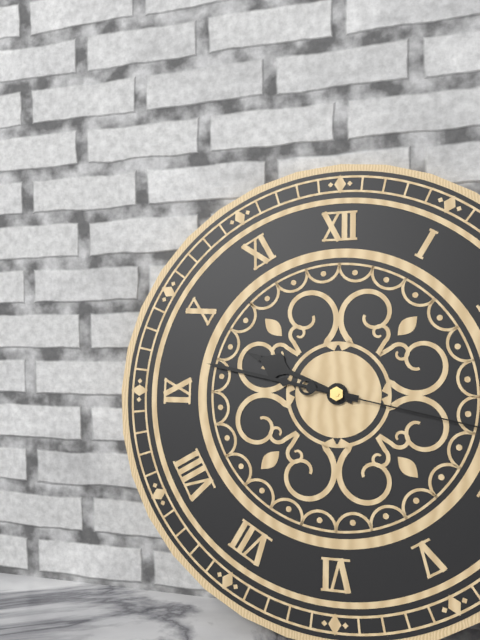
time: 9:47
